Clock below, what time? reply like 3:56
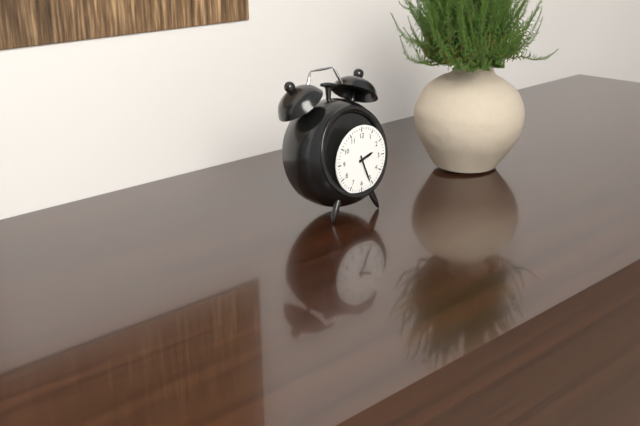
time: 2:26
